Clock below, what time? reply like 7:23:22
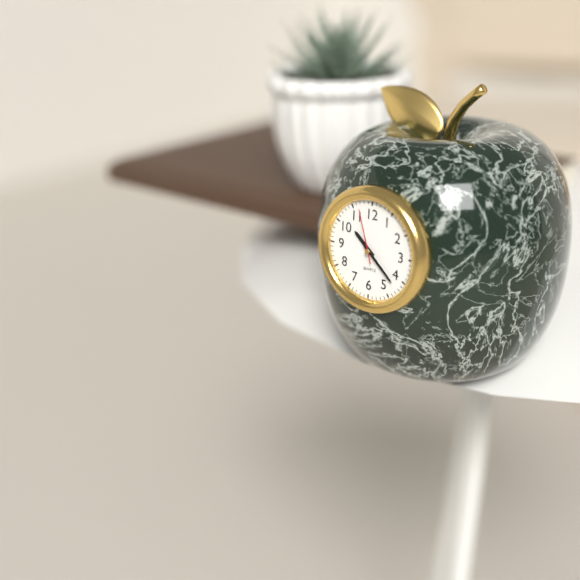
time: 10:22:57
